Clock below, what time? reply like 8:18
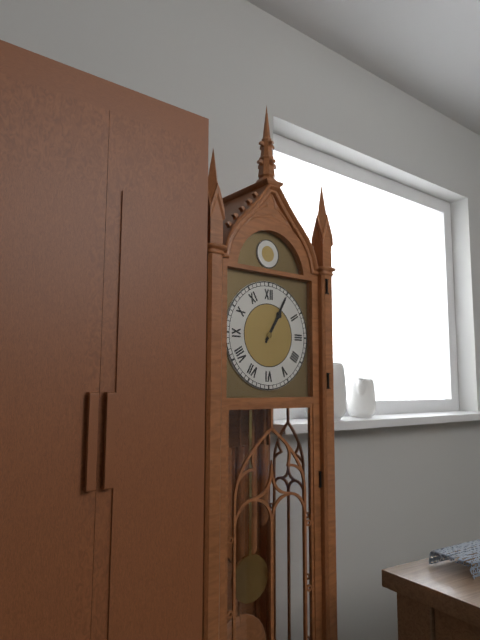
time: 1:05
